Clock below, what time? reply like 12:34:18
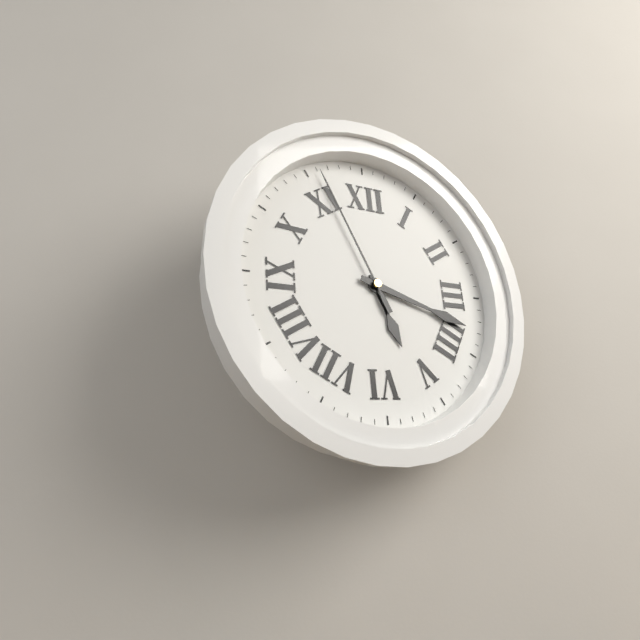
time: 5:18:56
